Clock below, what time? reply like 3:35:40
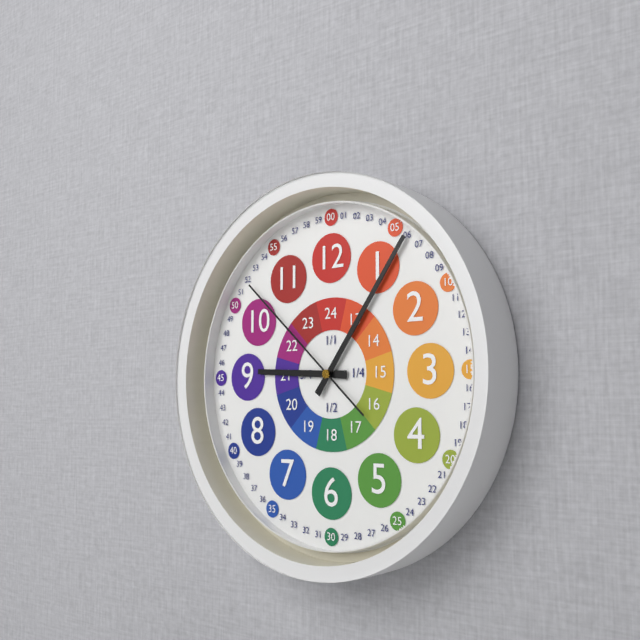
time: 9:06:52
